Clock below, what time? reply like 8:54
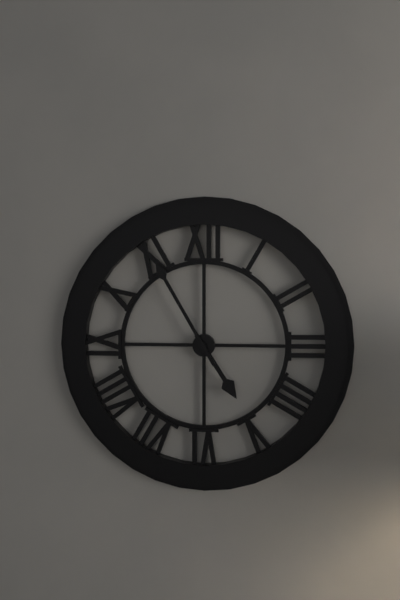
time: 4:55
